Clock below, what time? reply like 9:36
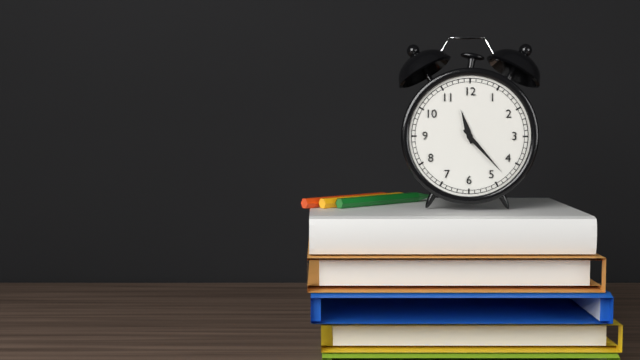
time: 11:23
